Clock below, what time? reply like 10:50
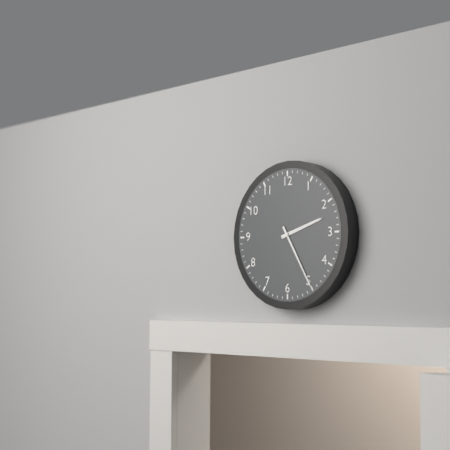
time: 2:25
